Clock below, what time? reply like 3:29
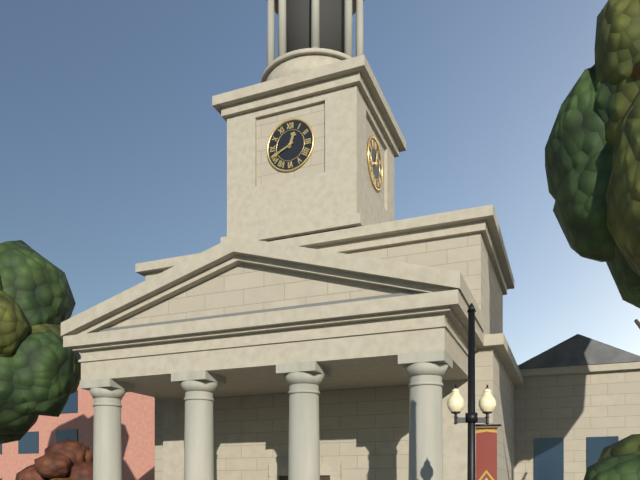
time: 12:41
